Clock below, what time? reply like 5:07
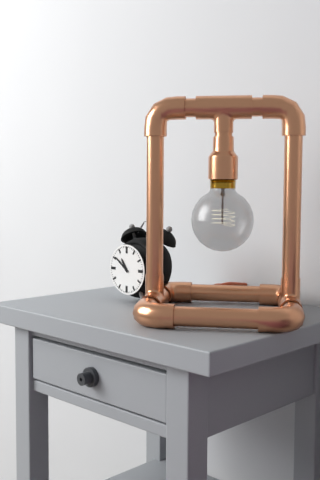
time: 10:51
